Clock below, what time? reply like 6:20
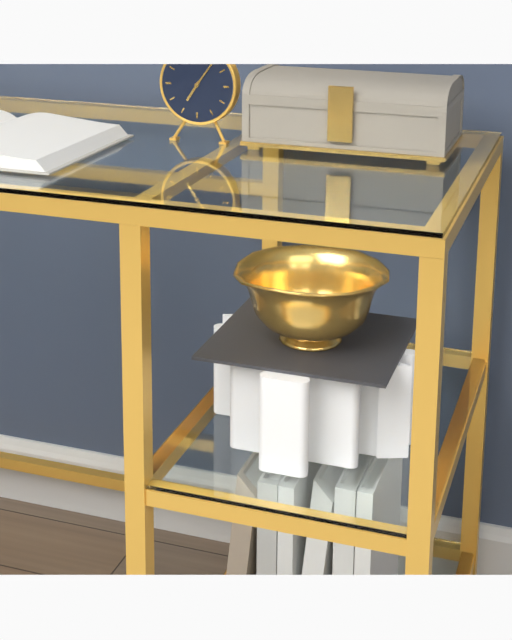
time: 7:06
